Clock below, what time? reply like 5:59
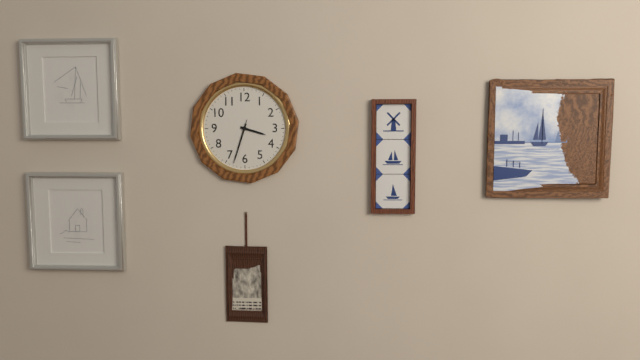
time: 3:33
